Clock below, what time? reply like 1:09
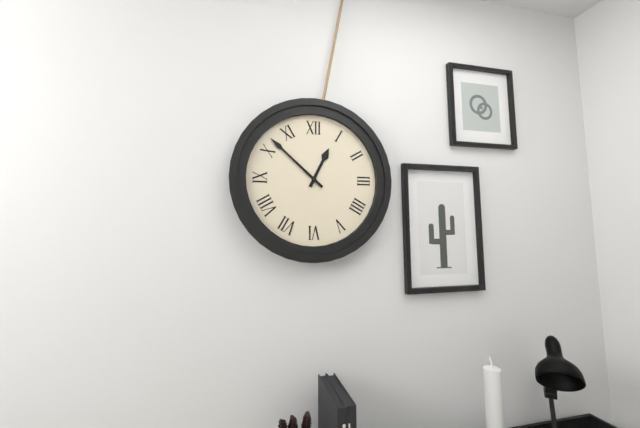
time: 12:52
